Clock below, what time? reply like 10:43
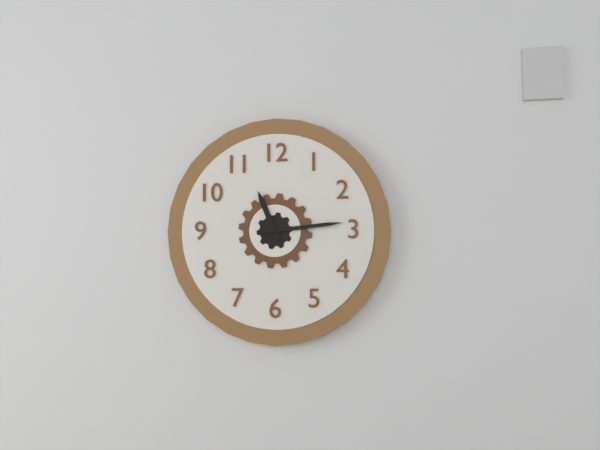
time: 11:14
